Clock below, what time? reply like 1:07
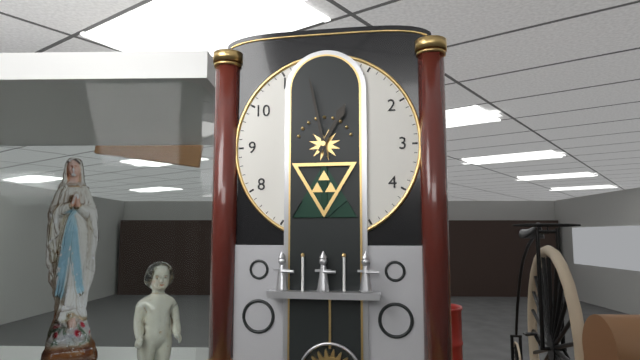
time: 12:58
